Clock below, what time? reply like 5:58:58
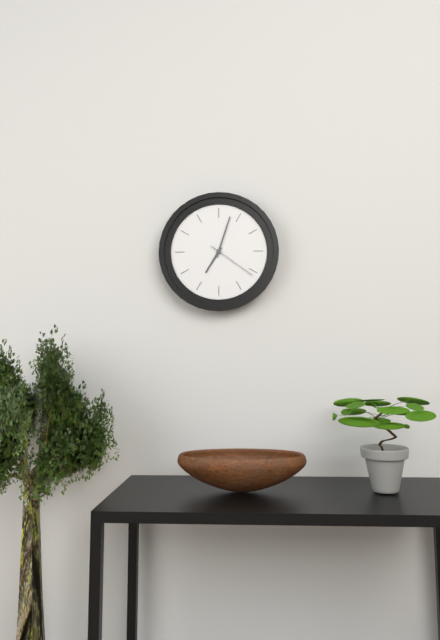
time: 7:03:21
